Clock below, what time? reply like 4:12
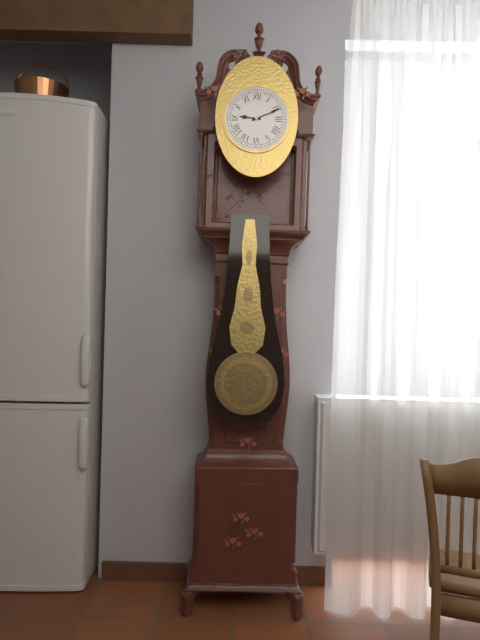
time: 9:11
